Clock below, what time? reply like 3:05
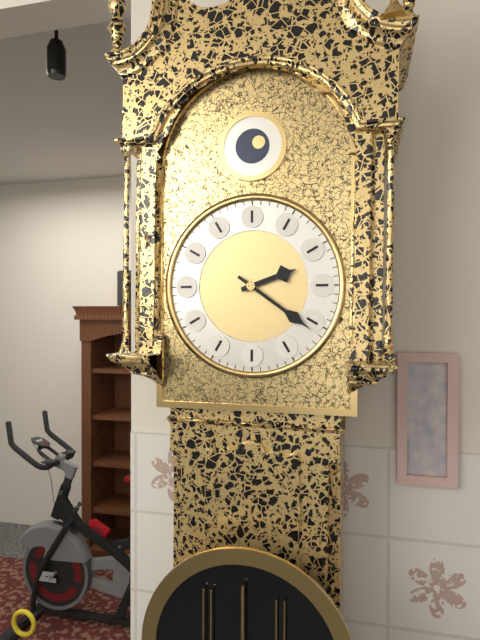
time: 2:21
